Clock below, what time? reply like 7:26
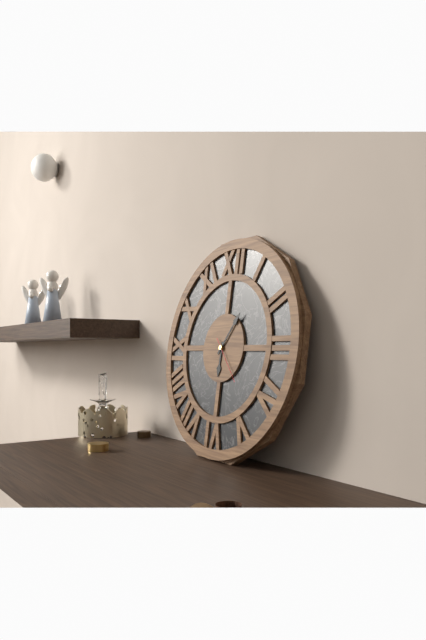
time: 6:06
